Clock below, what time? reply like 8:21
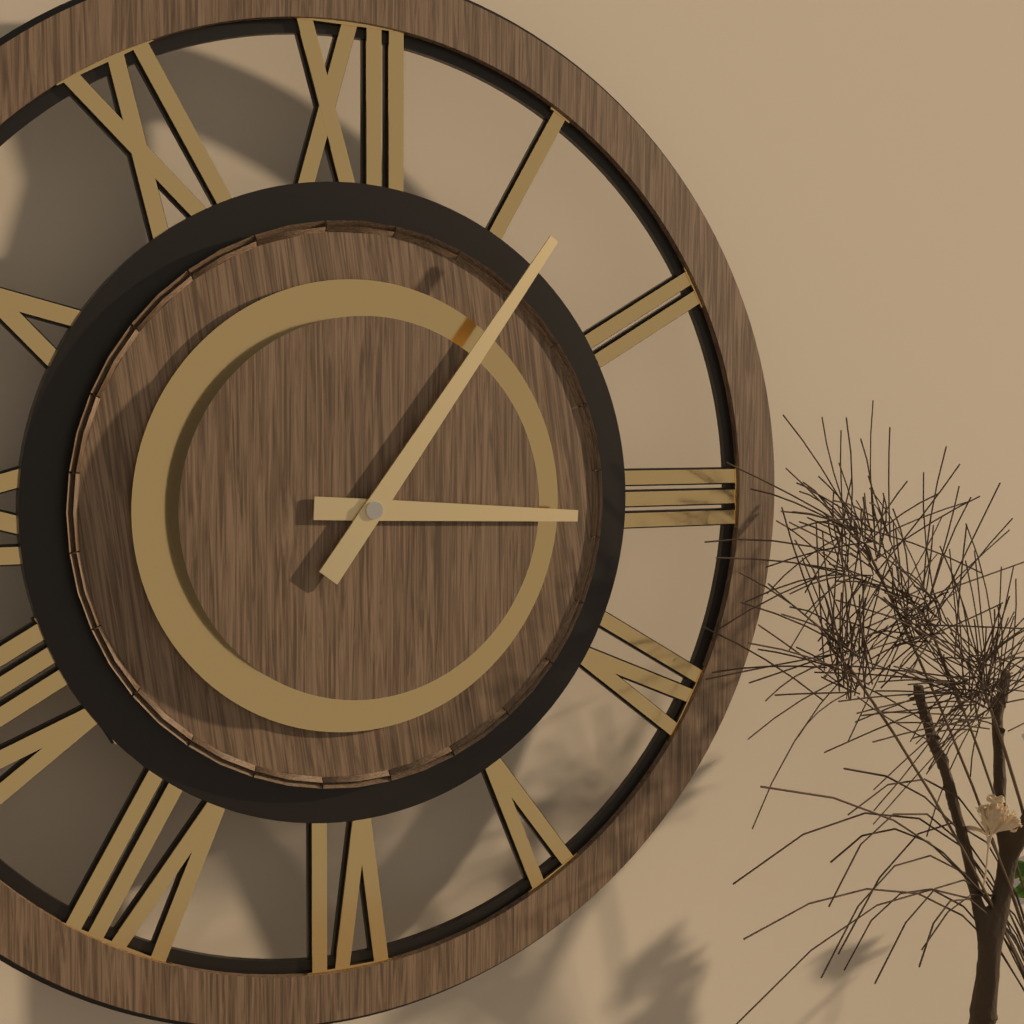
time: 3:06
